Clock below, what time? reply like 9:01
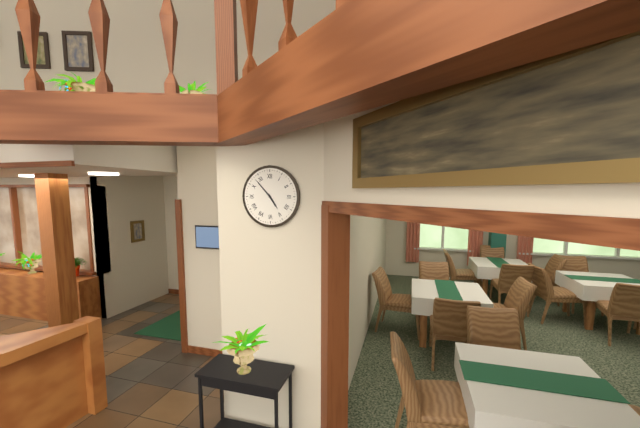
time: 4:53
